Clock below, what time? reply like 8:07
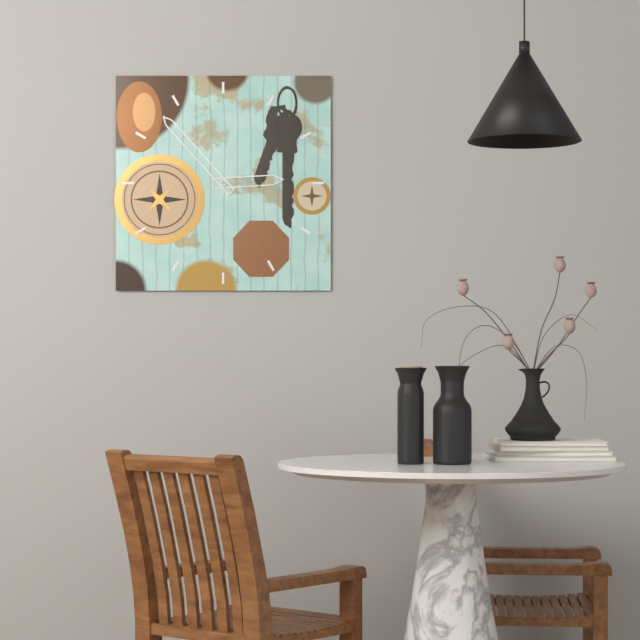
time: 2:53
